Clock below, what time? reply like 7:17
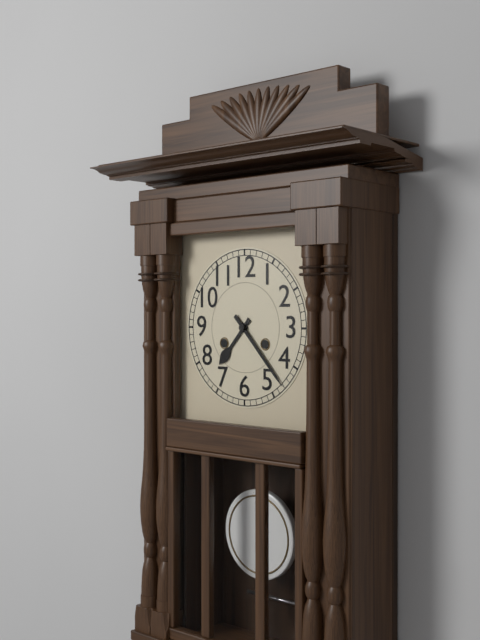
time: 7:23
